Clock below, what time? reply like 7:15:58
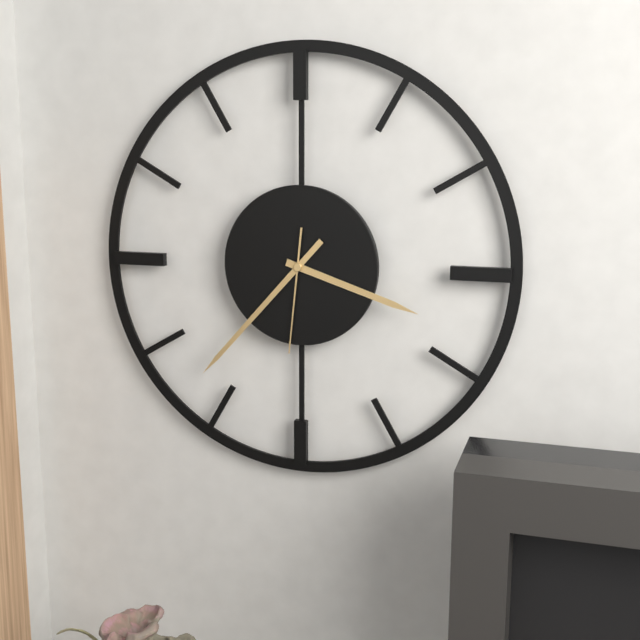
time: 3:37:31
